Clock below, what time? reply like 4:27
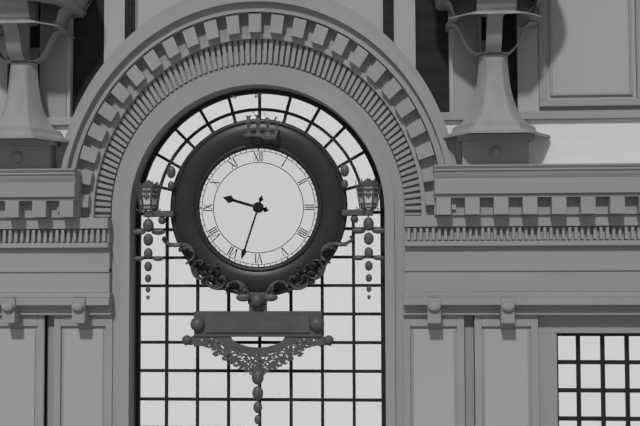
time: 9:33
